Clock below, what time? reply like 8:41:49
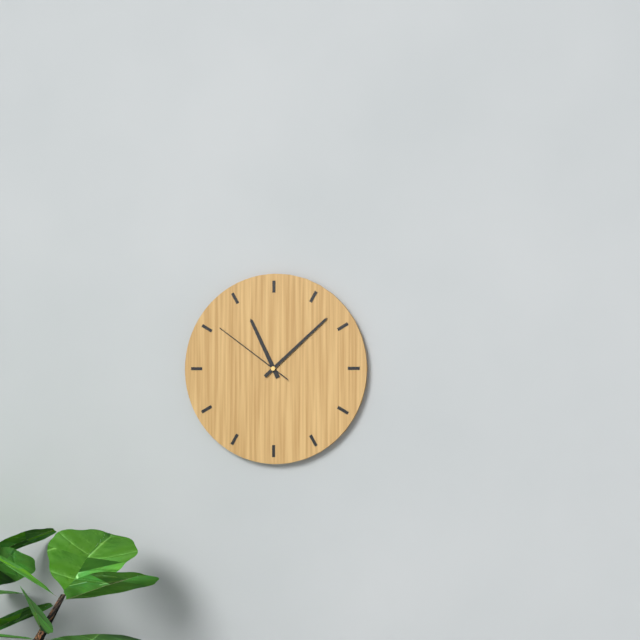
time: 11:08:51
